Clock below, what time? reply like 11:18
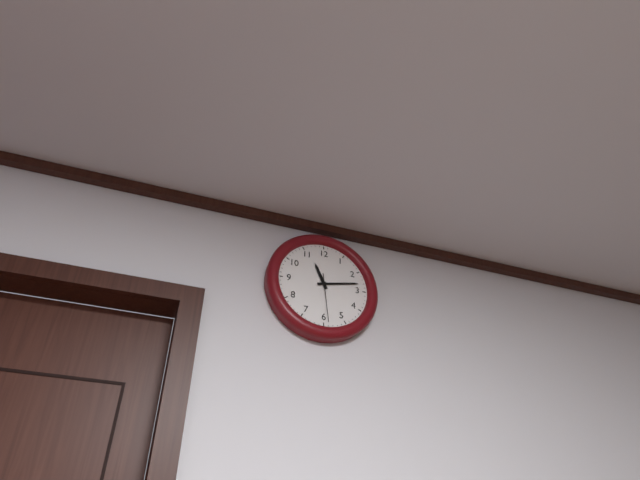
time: 11:13
